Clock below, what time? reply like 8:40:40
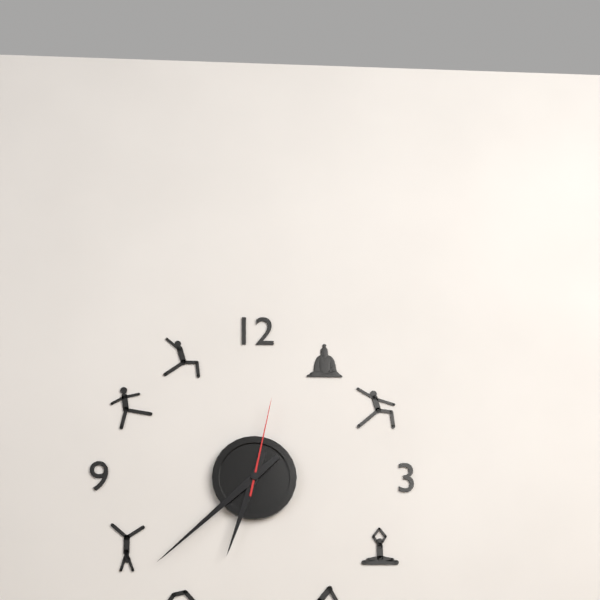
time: 6:38:02
